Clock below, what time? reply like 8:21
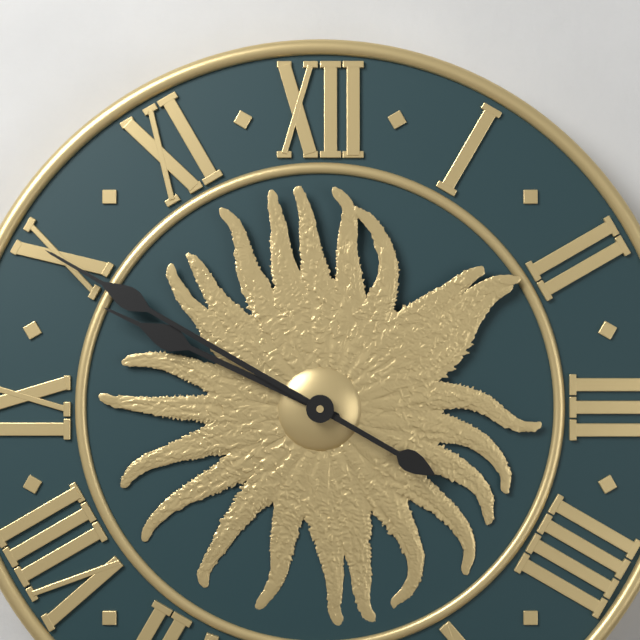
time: 9:50
